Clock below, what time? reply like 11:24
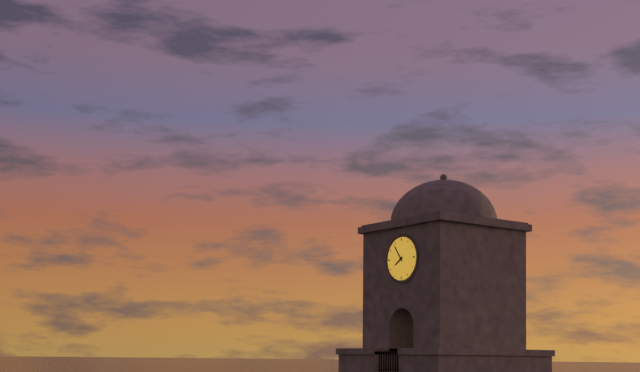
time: 7:54
